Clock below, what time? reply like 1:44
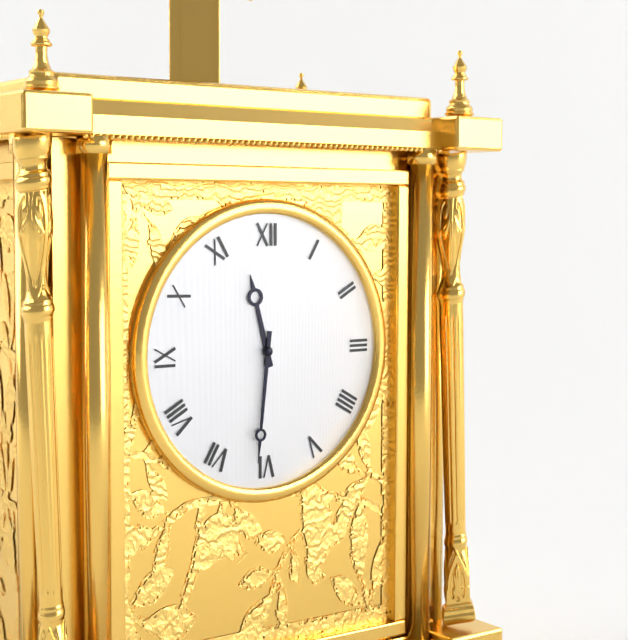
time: 11:31
